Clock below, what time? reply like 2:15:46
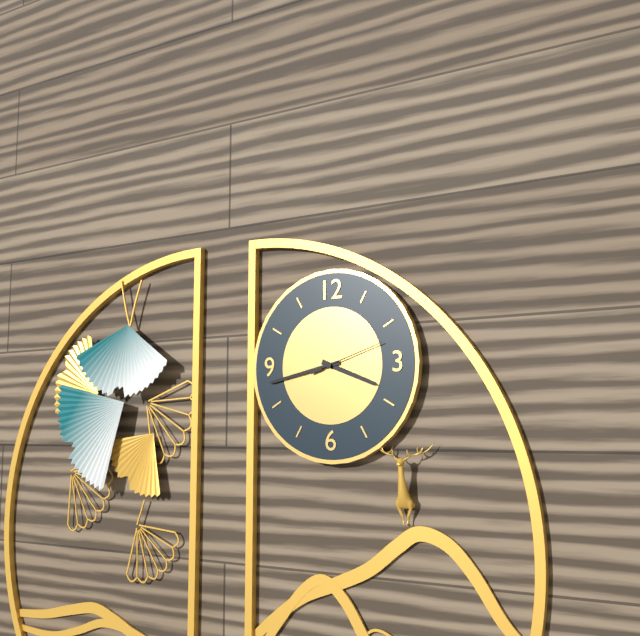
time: 3:43:12
